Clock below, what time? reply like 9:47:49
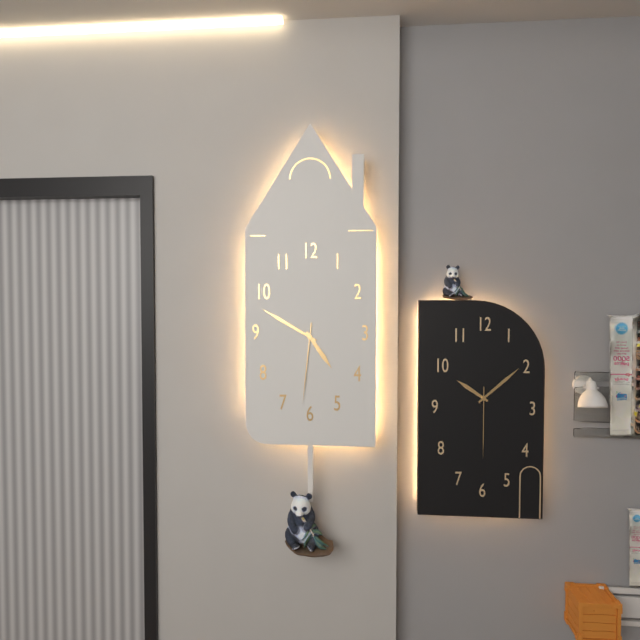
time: 4:50:31
